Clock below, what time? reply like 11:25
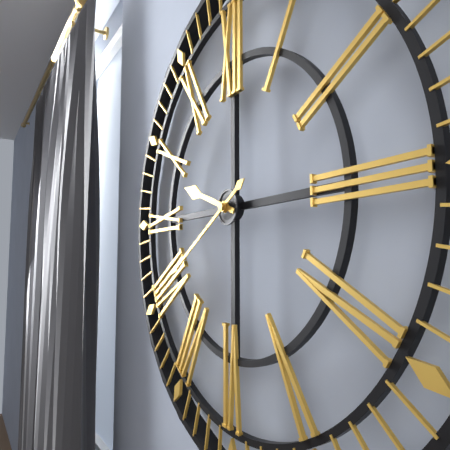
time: 9:40
